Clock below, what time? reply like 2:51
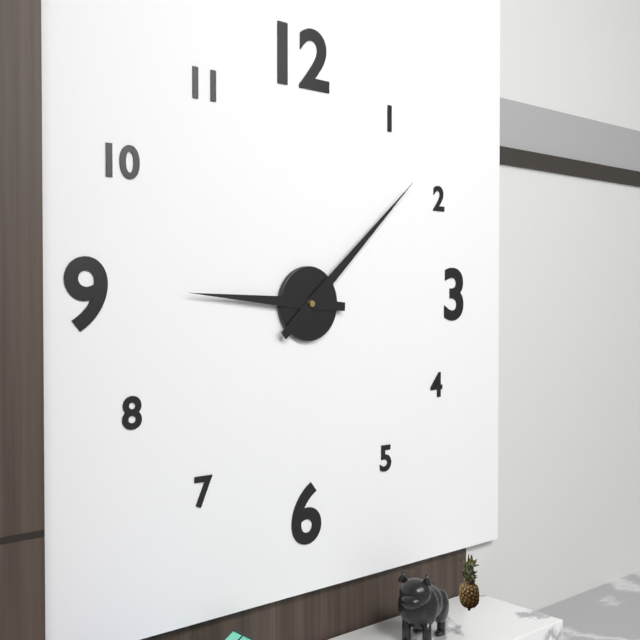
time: 9:08
